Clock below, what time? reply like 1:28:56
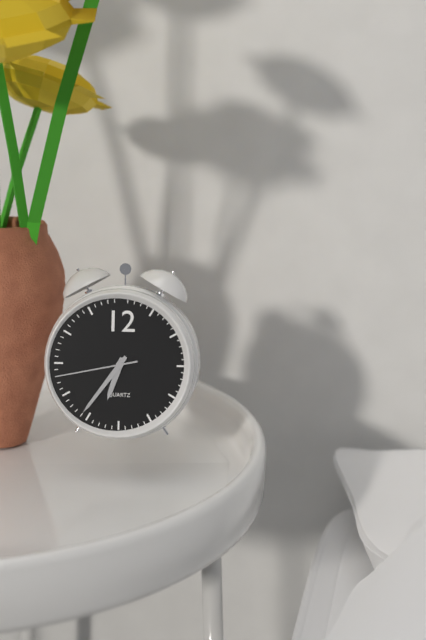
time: 6:36:43
